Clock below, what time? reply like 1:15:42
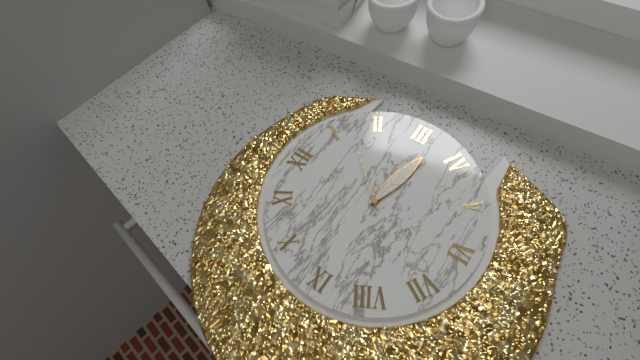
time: 3:17:07
